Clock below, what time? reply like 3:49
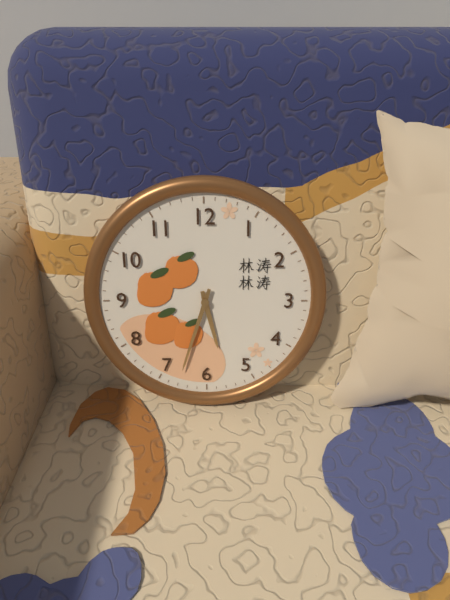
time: 5:33
